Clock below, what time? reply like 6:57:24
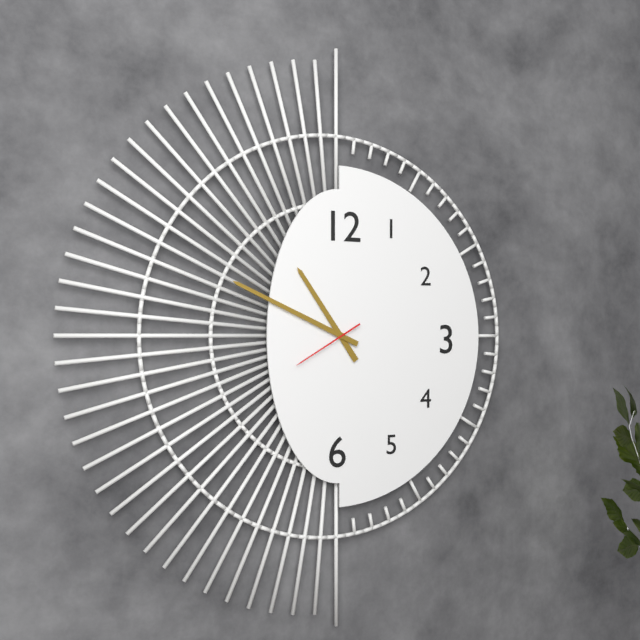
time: 10:49:40
